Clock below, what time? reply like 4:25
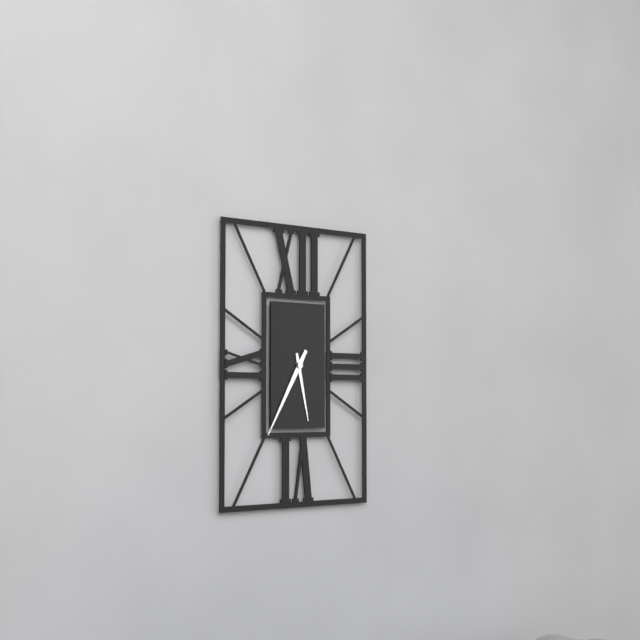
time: 5:35
